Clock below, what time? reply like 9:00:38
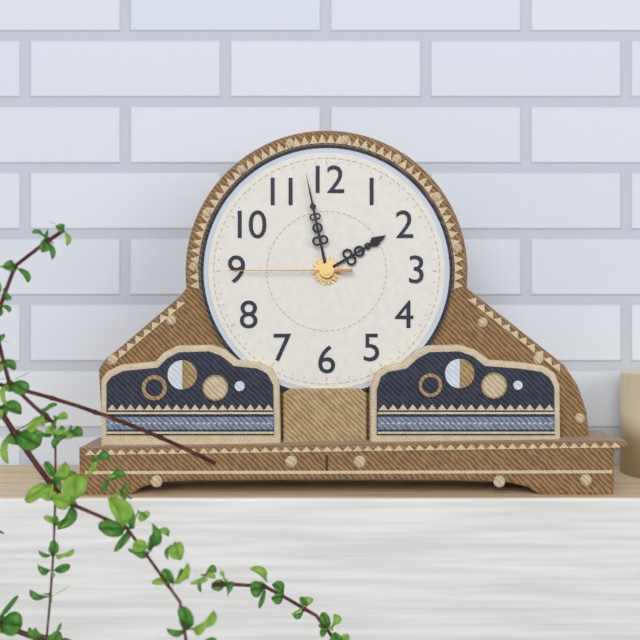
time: 1:58:45
